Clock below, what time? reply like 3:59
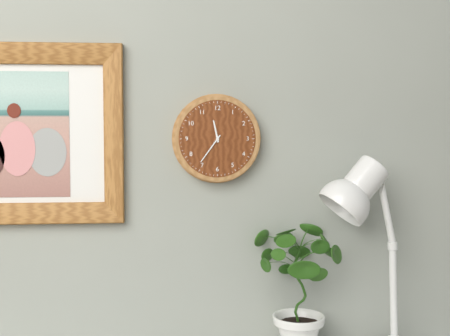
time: 11:36
